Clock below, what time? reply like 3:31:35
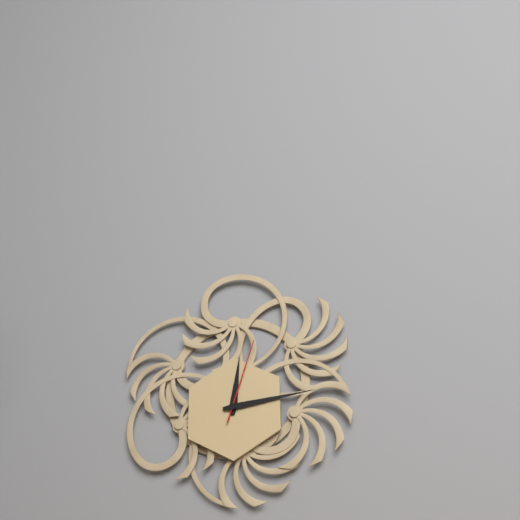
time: 12:14:03
